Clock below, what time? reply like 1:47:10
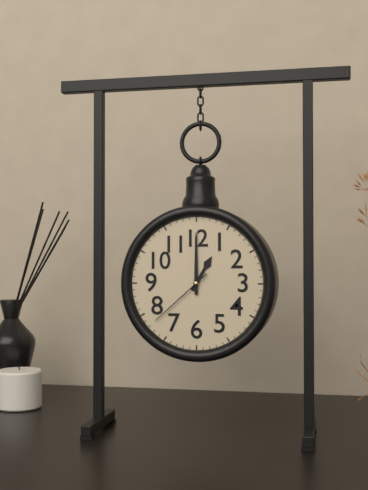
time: 1:00:38
